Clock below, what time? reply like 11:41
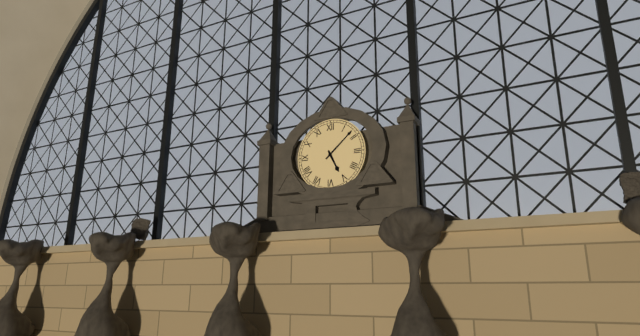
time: 5:08
